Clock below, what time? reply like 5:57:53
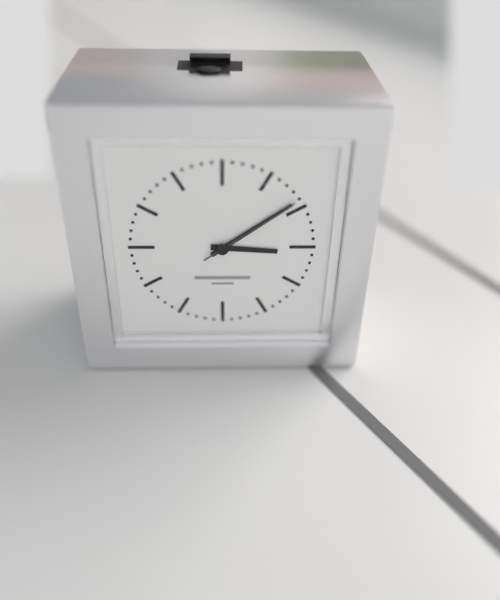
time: 3:09:09
